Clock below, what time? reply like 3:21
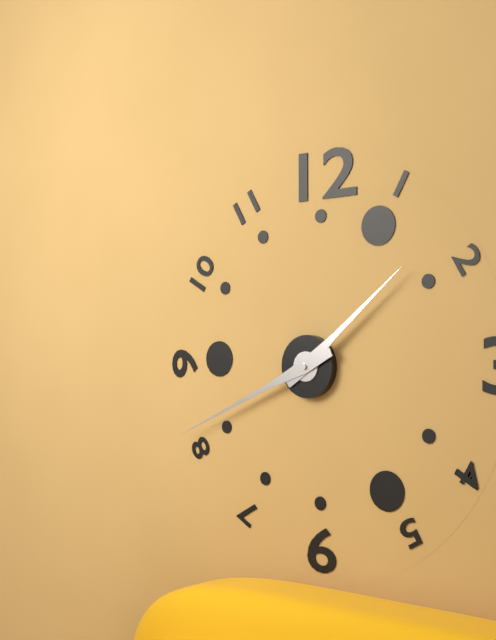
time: 1:41
